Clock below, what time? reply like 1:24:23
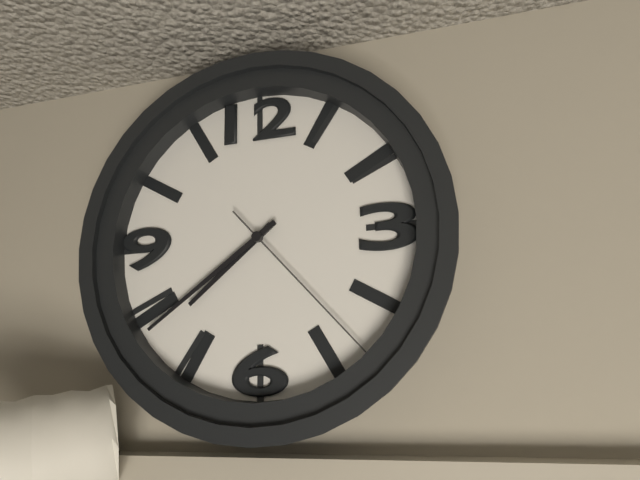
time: 7:39:23
